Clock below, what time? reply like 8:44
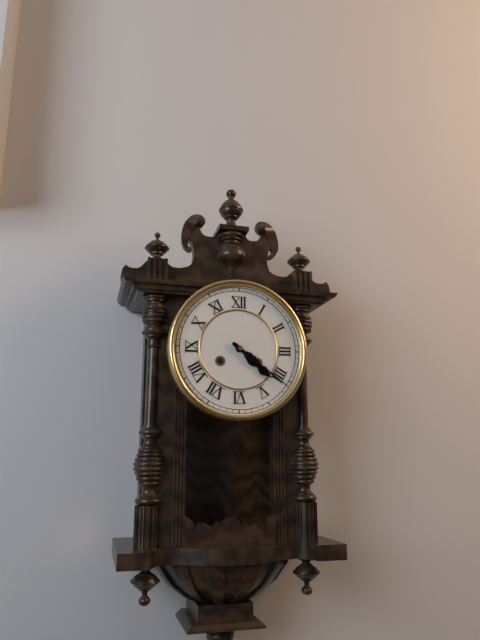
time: 4:21
